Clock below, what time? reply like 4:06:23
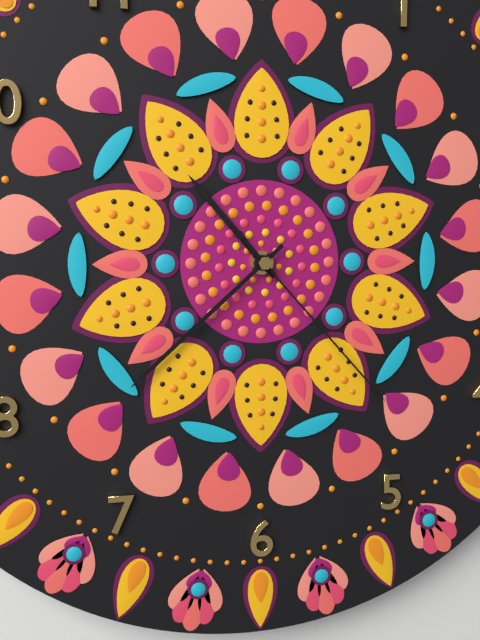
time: 10:38:23
